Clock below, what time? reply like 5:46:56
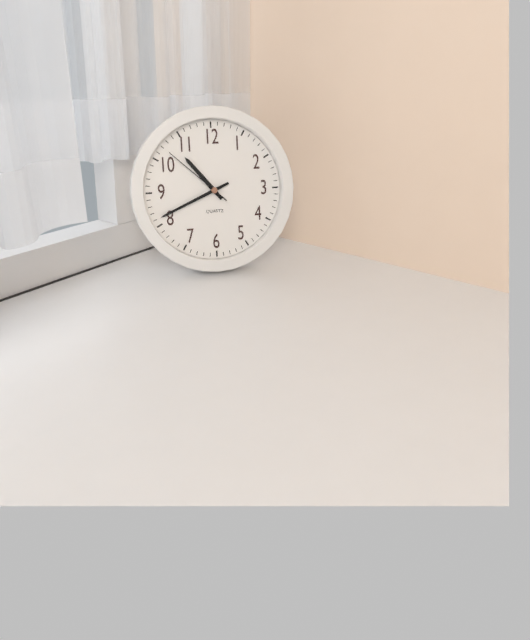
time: 10:41:52
